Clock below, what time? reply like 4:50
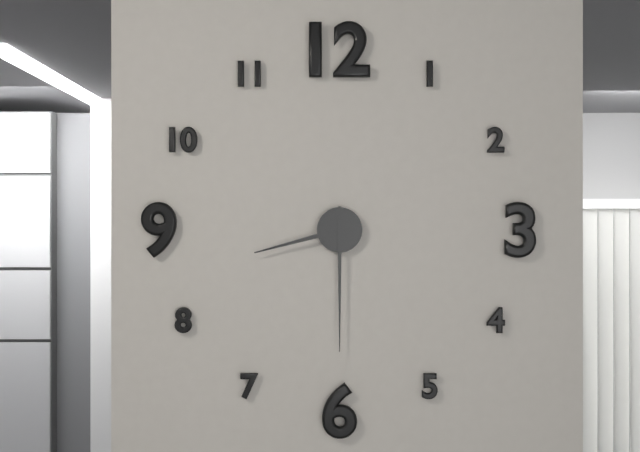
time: 8:30
